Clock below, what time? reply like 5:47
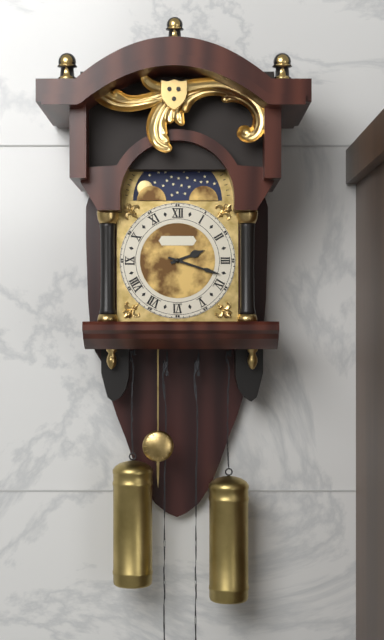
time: 2:18
